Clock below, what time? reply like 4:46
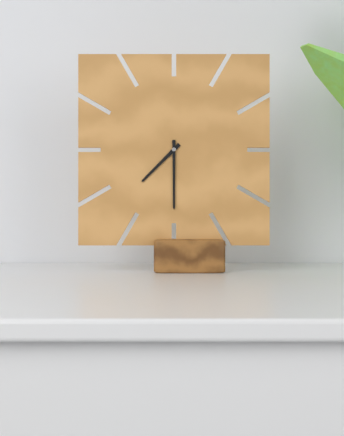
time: 7:30
